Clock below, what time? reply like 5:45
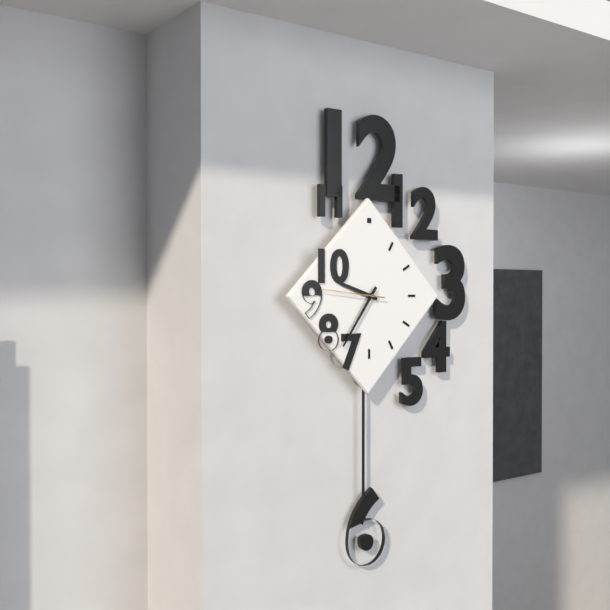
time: 9:36
